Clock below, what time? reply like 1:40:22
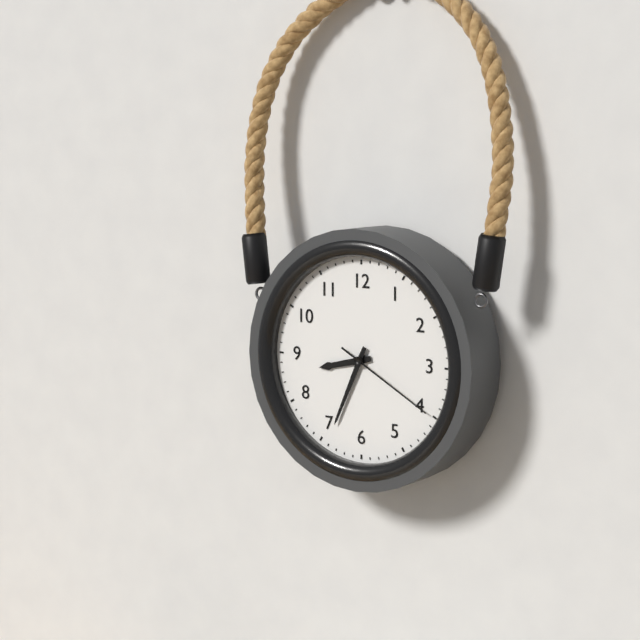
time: 8:34:20
